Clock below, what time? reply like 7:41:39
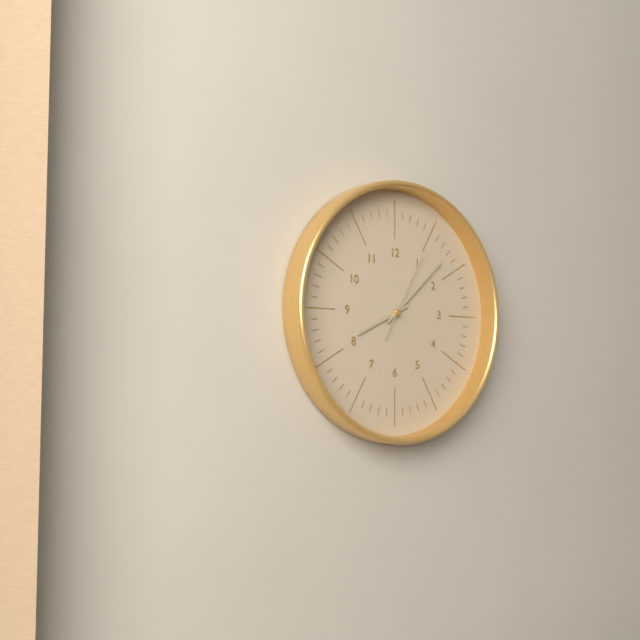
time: 8:08:05
